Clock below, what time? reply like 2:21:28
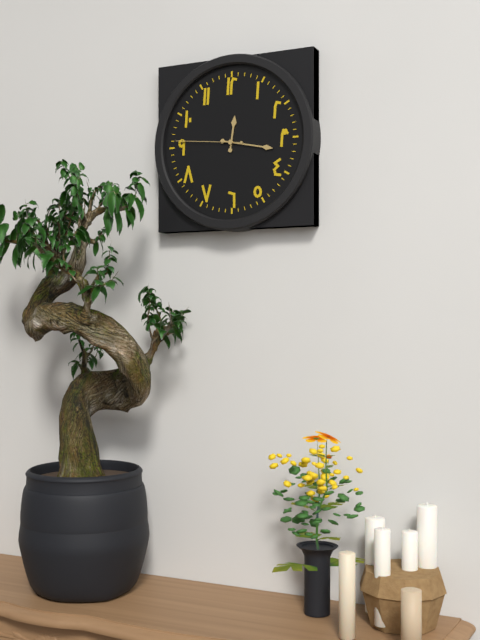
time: 12:17:46
